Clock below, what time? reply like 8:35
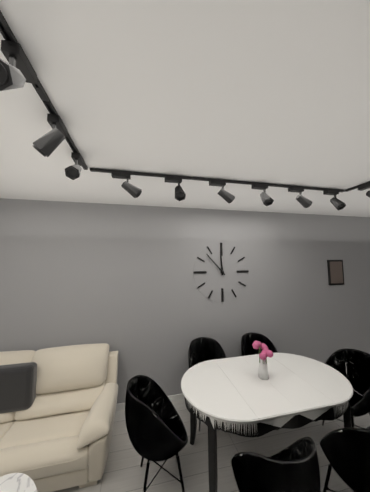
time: 11:53
